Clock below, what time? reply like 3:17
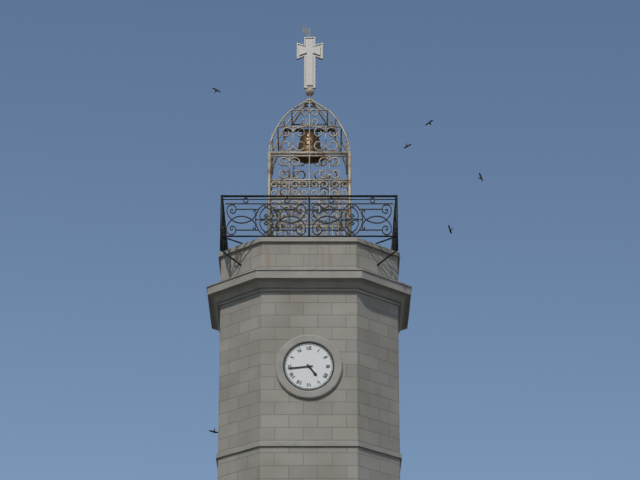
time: 4:44
